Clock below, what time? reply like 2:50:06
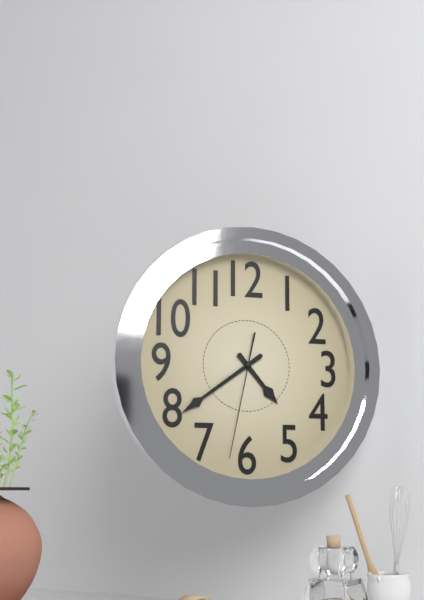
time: 4:39:32
